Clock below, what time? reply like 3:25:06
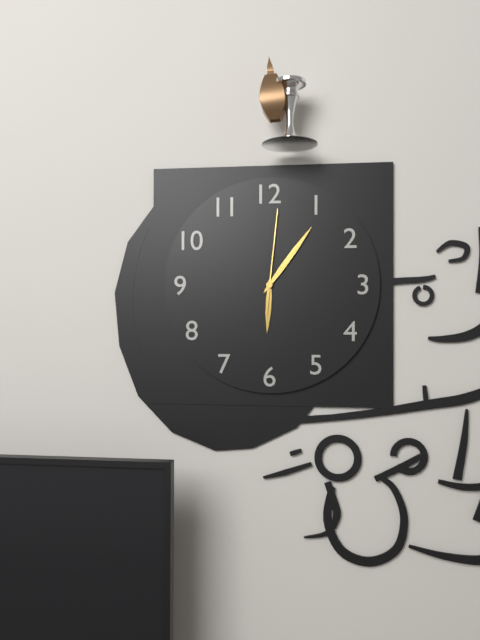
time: 6:06:01
